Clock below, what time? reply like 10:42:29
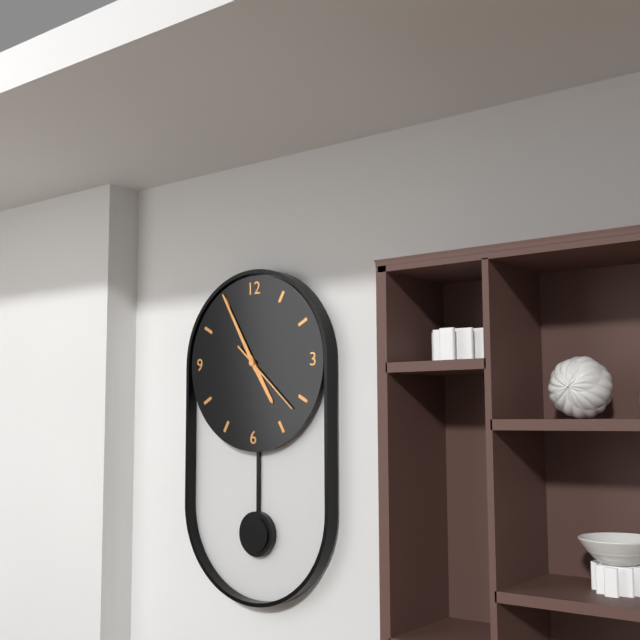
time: 4:55:22
